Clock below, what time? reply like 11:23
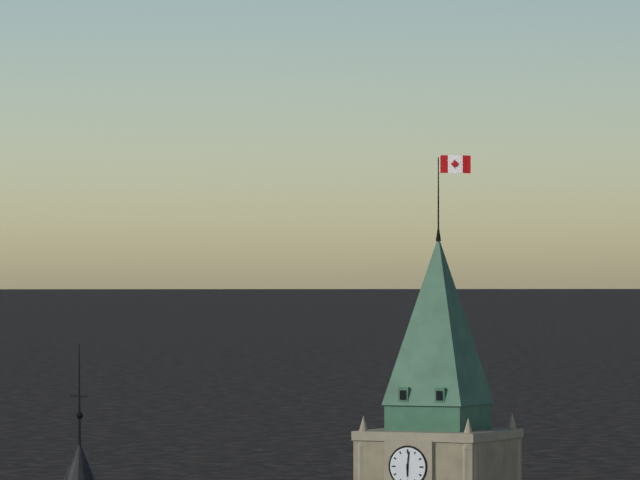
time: 6:01
